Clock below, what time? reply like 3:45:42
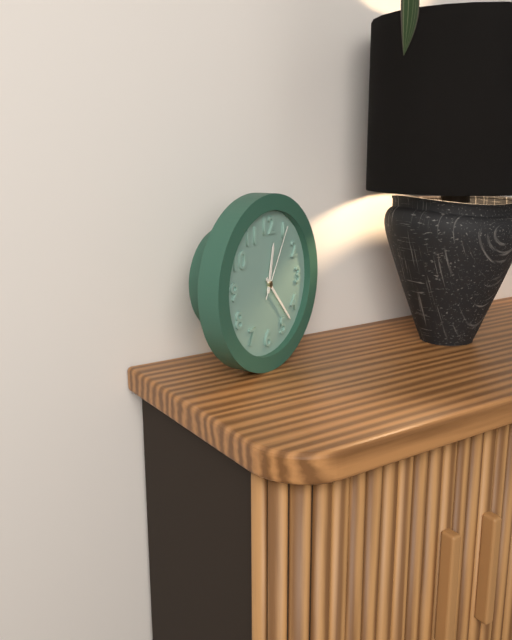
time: 12:23:05
